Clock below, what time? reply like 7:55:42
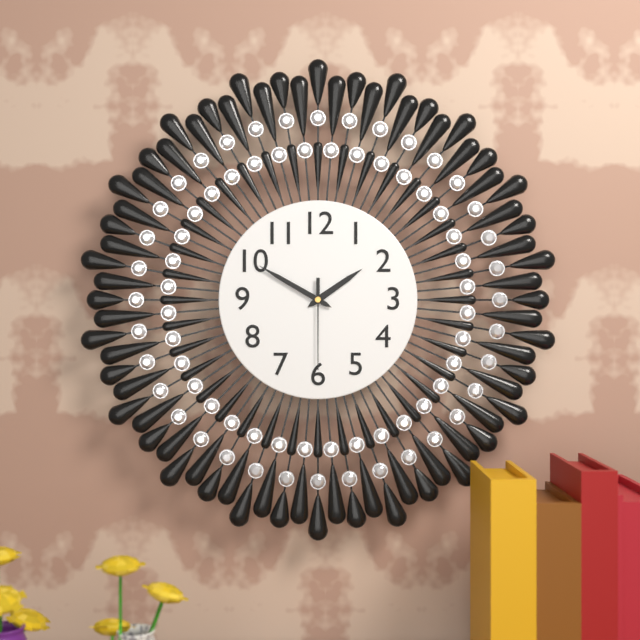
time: 1:50:30
